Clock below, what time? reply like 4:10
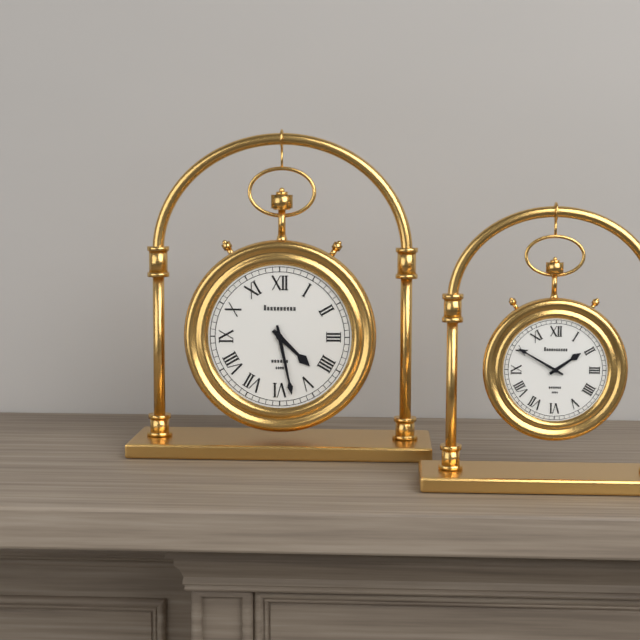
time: 4:28
